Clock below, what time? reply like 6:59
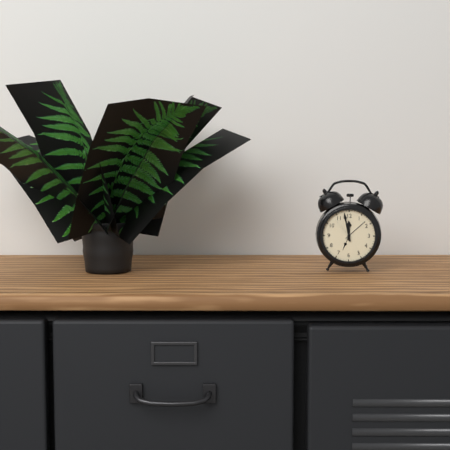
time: 11:58
